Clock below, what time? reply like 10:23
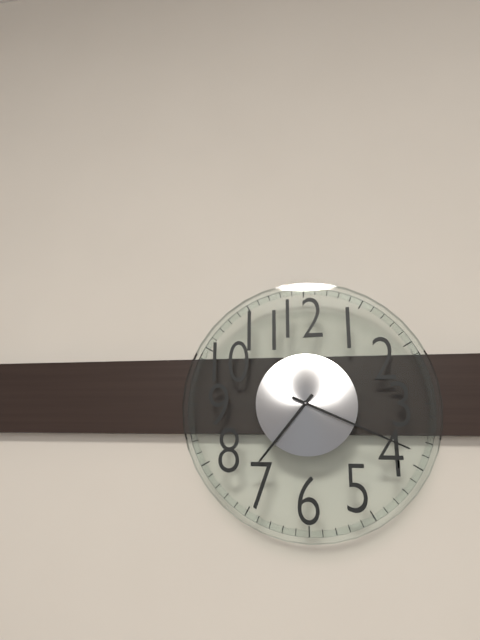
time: 7:19
